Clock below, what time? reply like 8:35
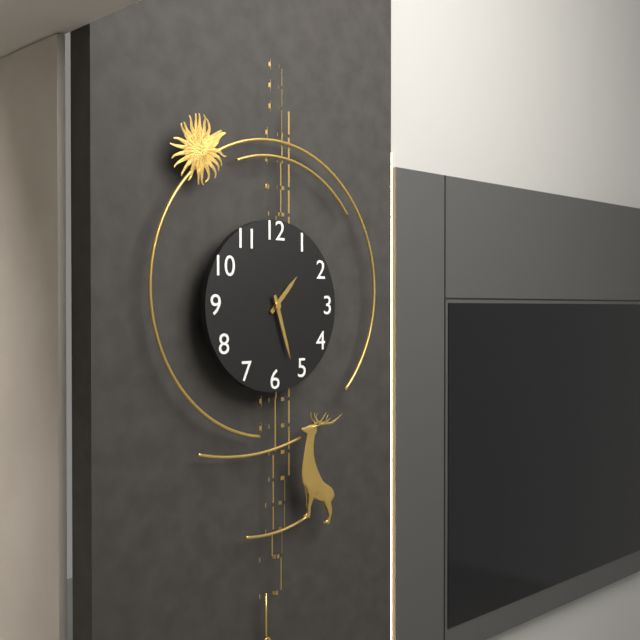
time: 1:27
